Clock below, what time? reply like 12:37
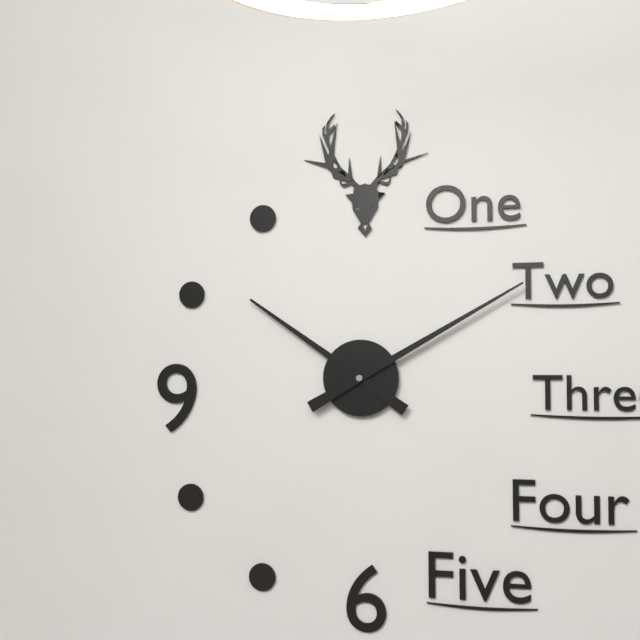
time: 10:10
